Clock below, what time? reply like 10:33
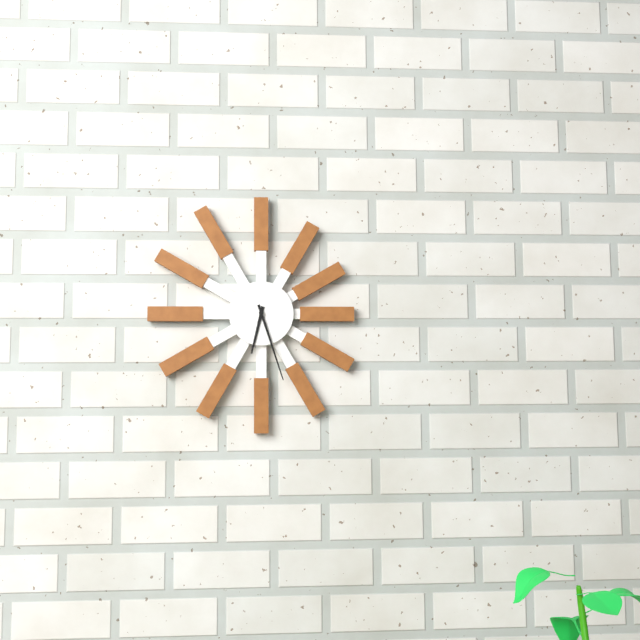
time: 6:27
